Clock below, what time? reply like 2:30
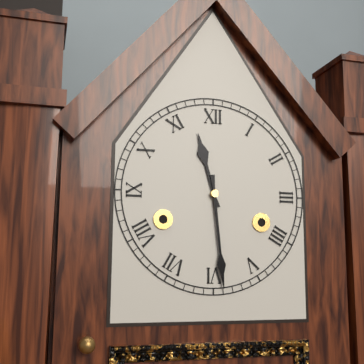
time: 11:29
